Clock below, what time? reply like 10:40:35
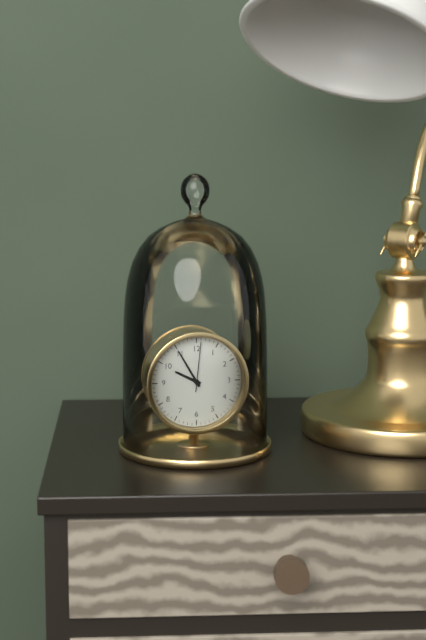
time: 9:55:01
